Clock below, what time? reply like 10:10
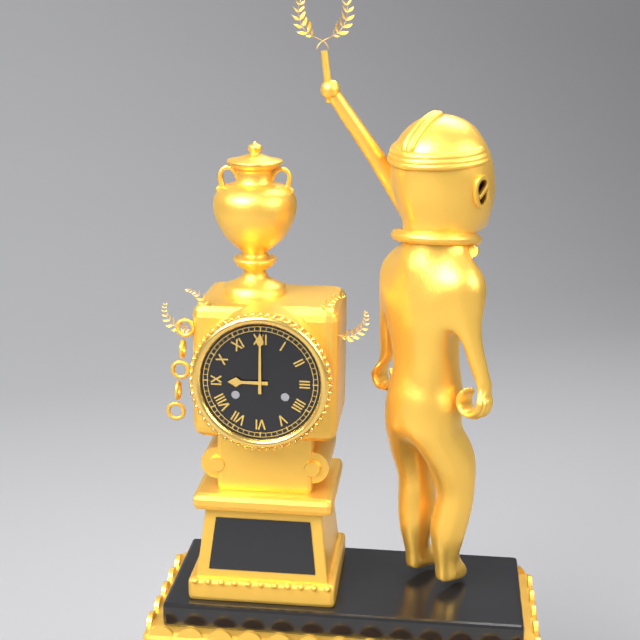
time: 9:00
